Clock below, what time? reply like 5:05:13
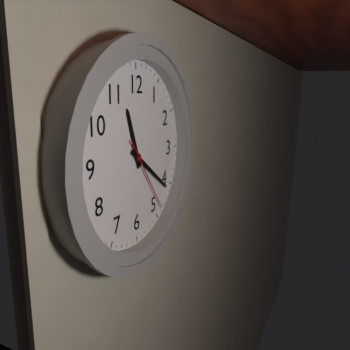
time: 11:21:24
